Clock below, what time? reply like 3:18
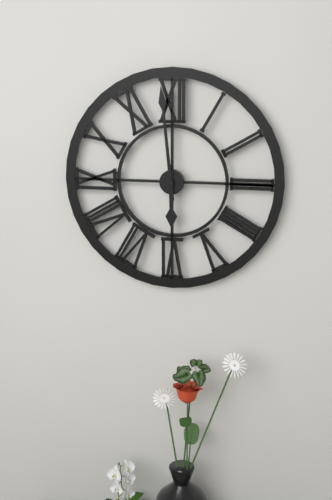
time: 5:59
